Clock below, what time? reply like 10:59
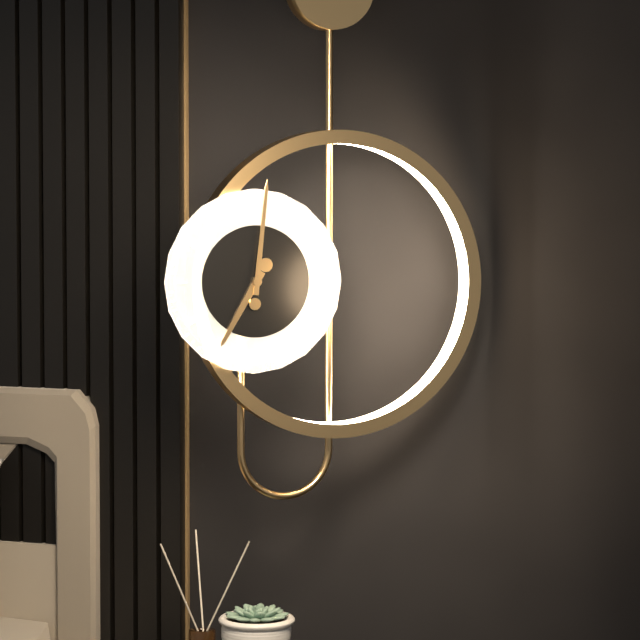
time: 7:01
